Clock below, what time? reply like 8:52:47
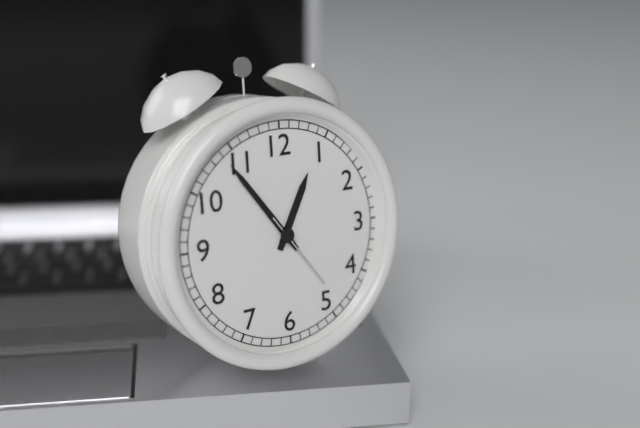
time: 12:54:24
